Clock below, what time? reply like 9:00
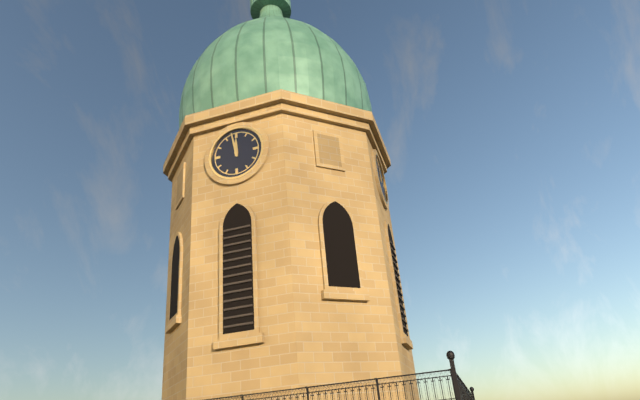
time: 11:58
